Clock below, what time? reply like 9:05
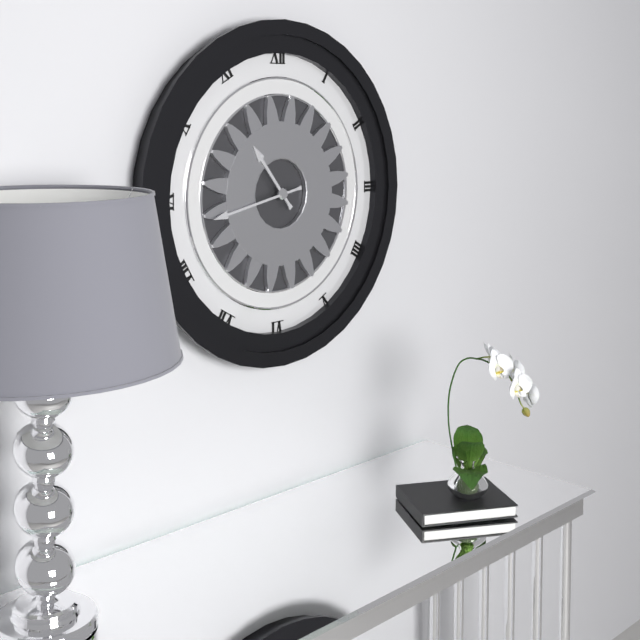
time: 10:43
